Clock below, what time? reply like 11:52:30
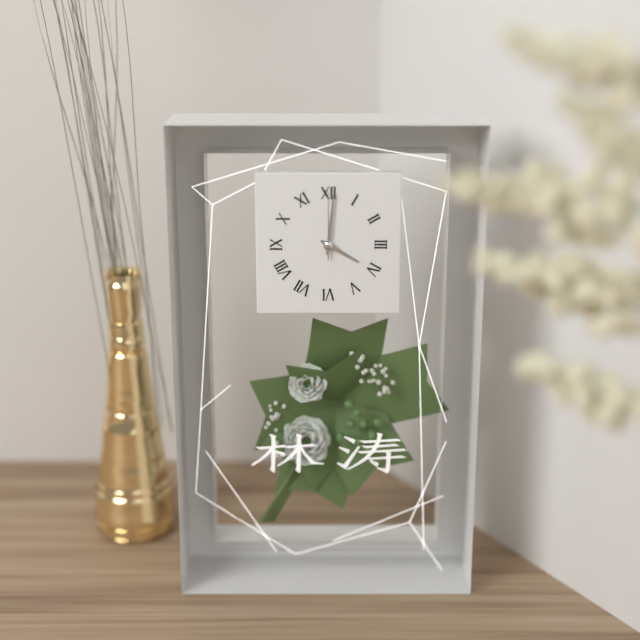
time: 4:01:00
